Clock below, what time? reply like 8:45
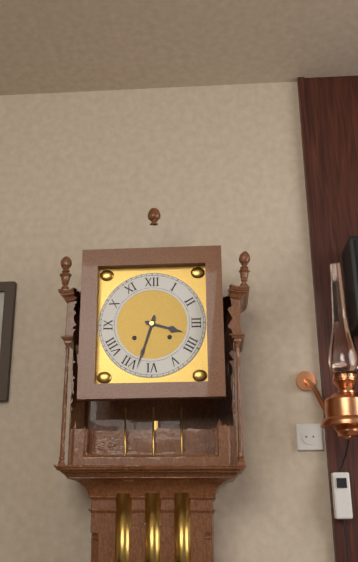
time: 3:33
